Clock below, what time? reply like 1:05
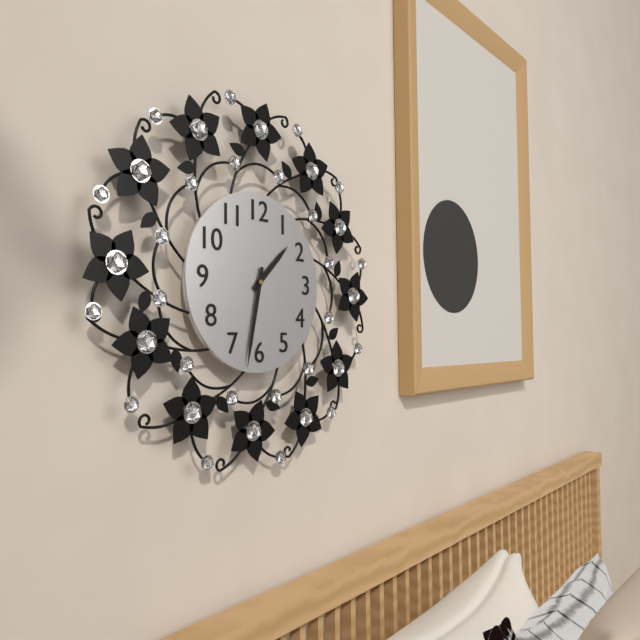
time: 1:32
